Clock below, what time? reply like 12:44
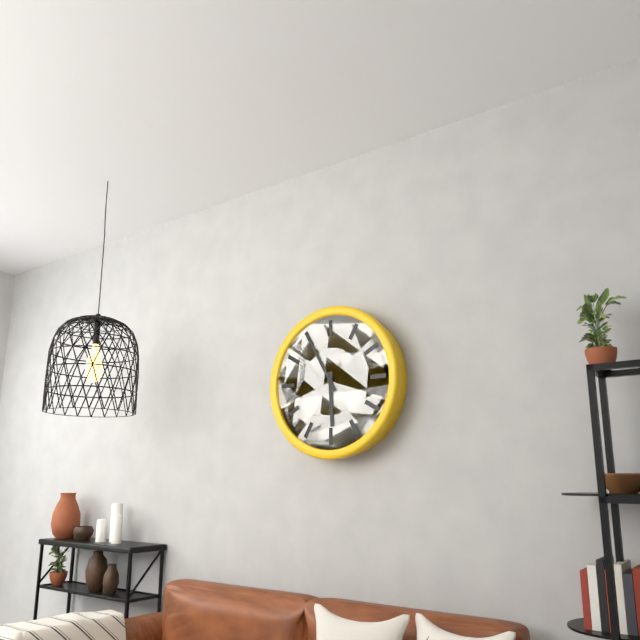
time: 5:55
